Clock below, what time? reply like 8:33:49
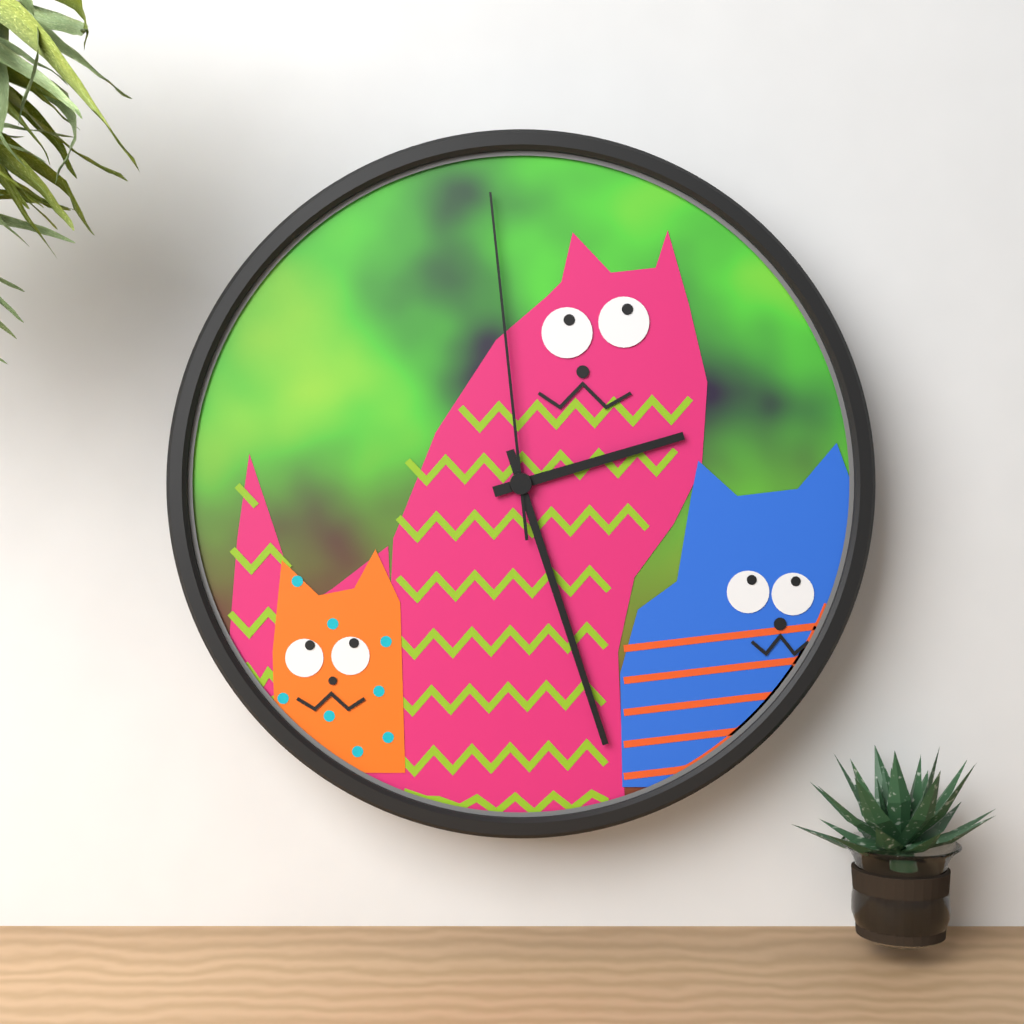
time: 2:27:59
